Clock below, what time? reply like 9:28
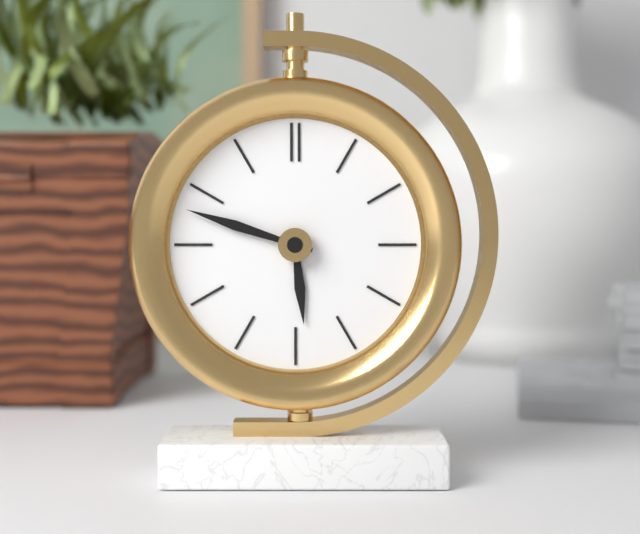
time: 5:48
